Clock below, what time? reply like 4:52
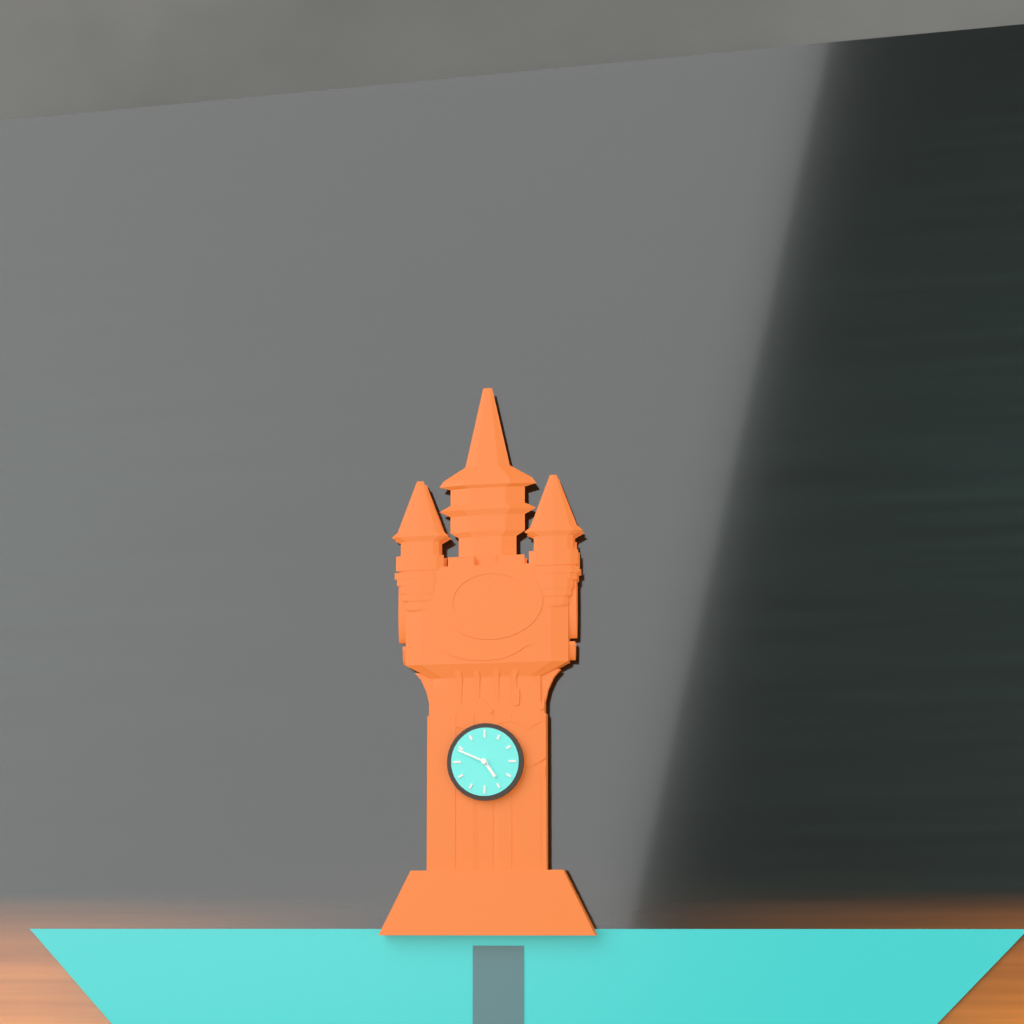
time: 4:49
